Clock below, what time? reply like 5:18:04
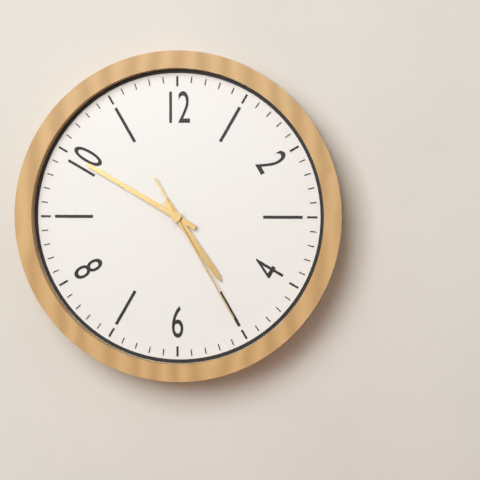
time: 4:50:25
